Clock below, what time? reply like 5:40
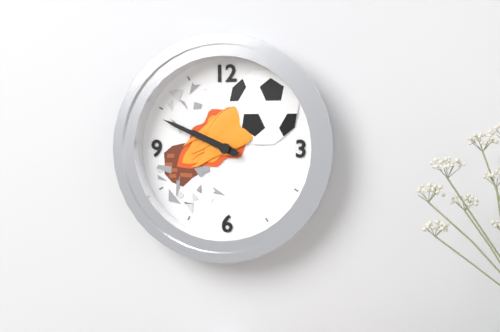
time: 9:49
